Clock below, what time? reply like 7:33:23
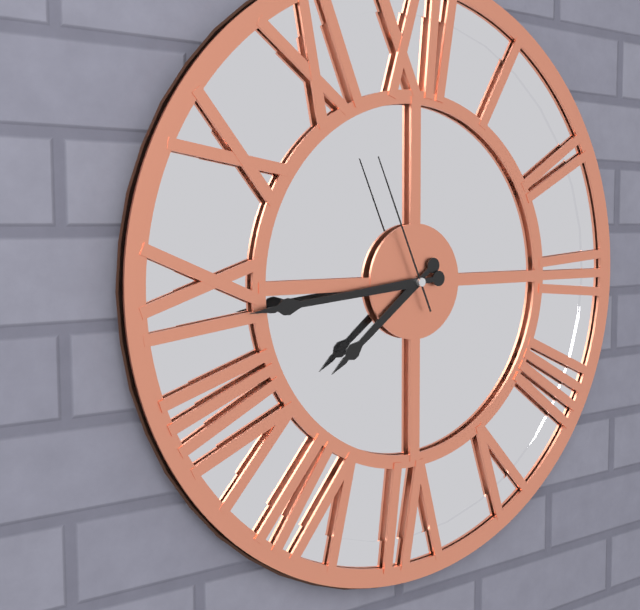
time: 7:44:56
